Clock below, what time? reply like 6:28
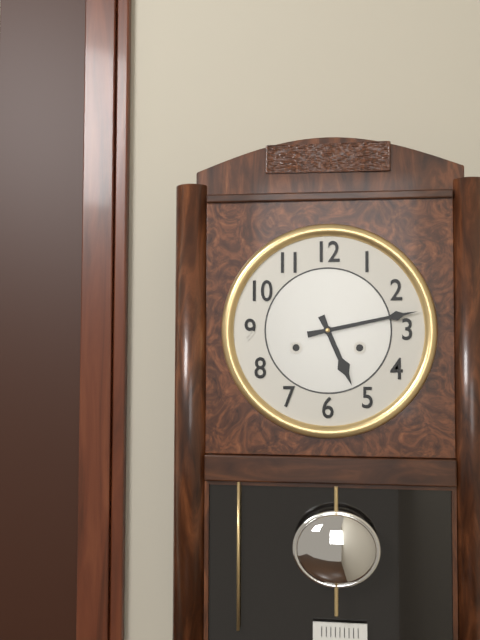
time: 5:13
